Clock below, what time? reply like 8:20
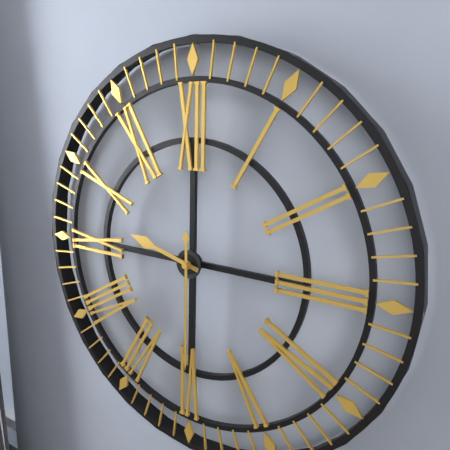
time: 9:30
